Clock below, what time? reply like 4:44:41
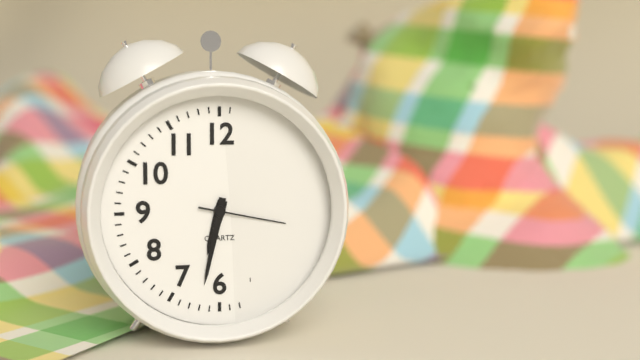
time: 6:32:17
